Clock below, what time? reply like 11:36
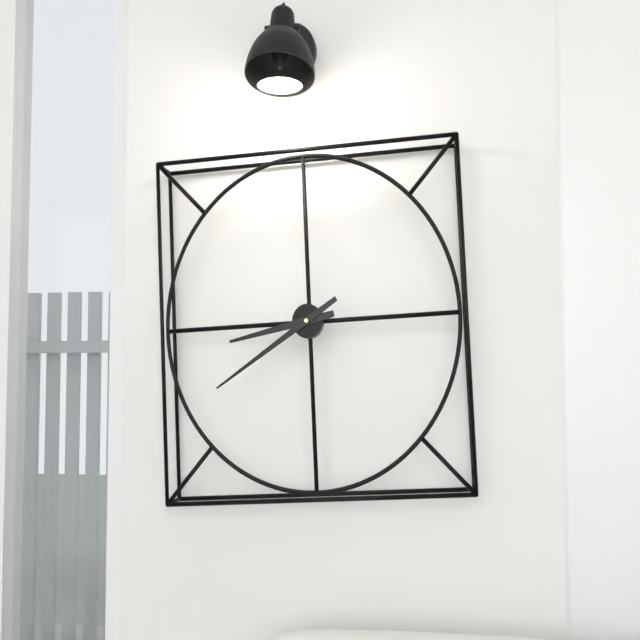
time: 8:40
